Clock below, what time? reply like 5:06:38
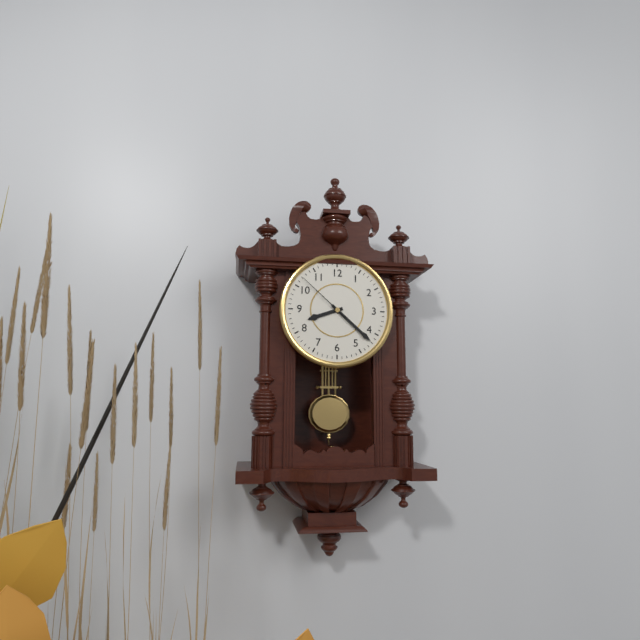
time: 8:22:52
